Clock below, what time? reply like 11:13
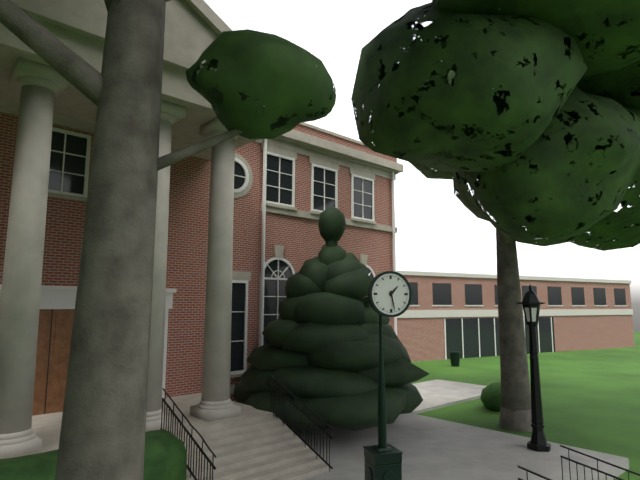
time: 1:28
